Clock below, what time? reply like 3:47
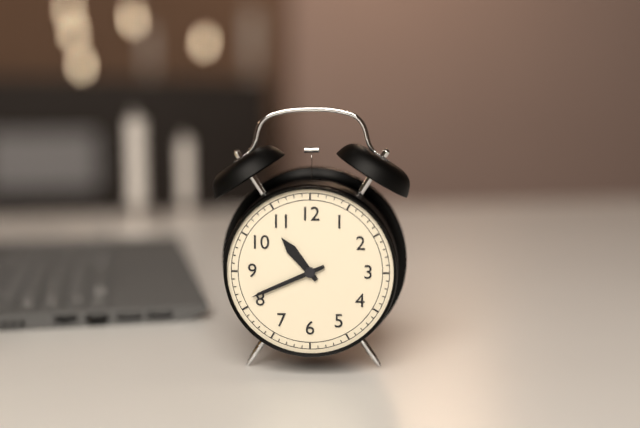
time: 10:41
